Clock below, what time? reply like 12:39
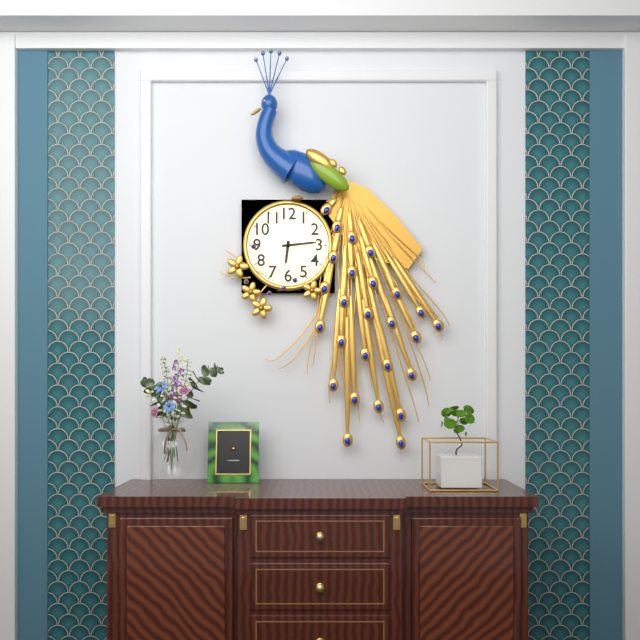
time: 6:14
